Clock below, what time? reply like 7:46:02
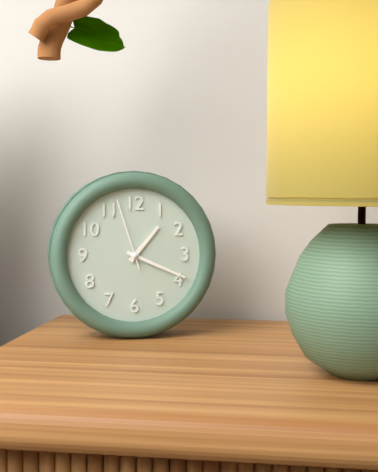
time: 1:19:57
